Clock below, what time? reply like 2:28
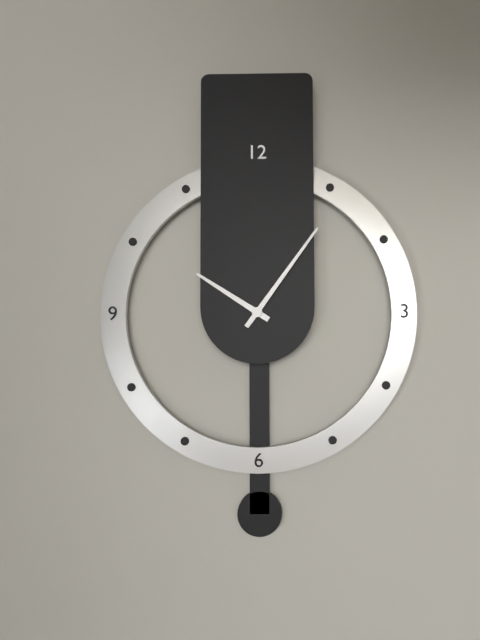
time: 10:06
